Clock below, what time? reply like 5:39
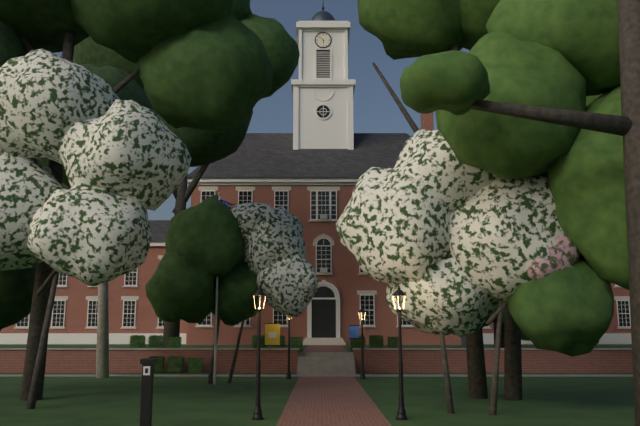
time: 5:52
